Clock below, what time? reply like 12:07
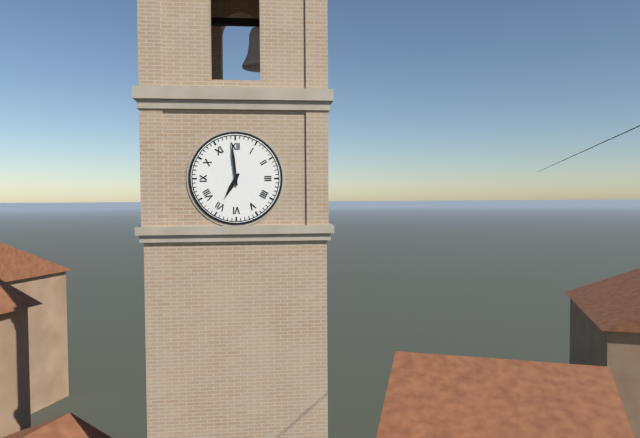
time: 6:59
